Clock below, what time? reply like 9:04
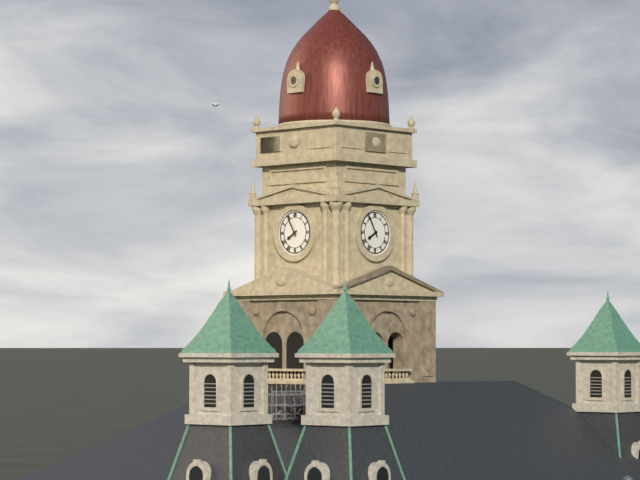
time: 7:55
